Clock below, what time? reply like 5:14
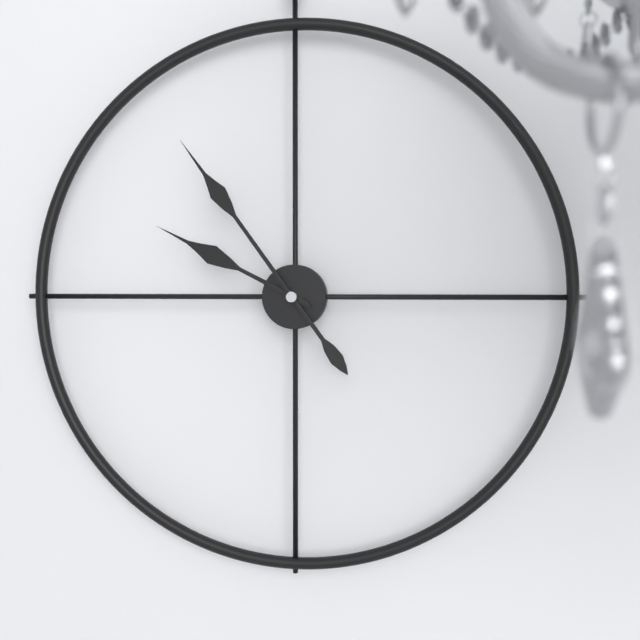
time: 9:54
